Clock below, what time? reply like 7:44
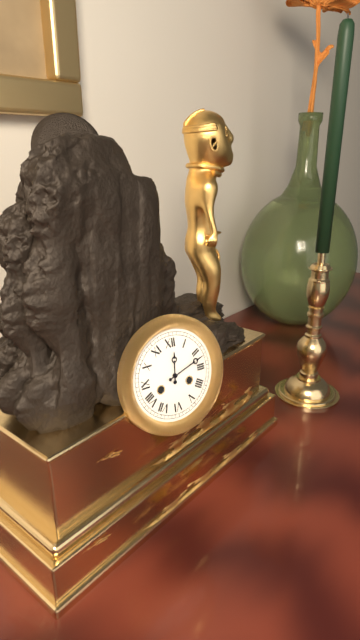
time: 12:12
